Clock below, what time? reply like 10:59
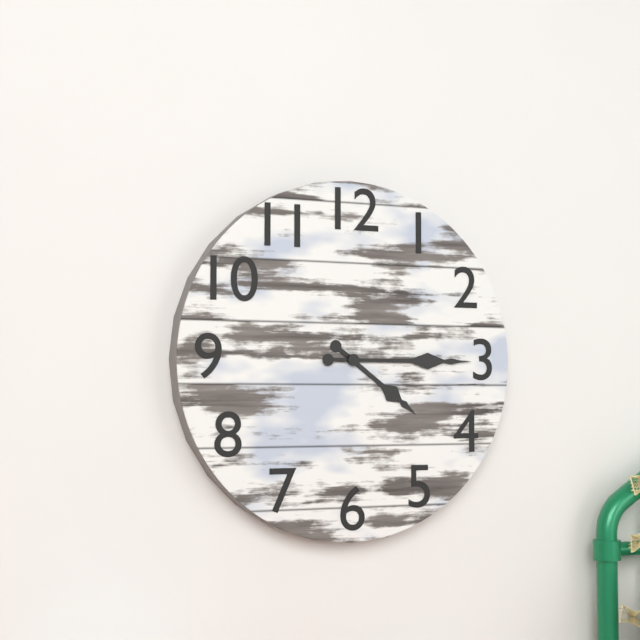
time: 4:15
